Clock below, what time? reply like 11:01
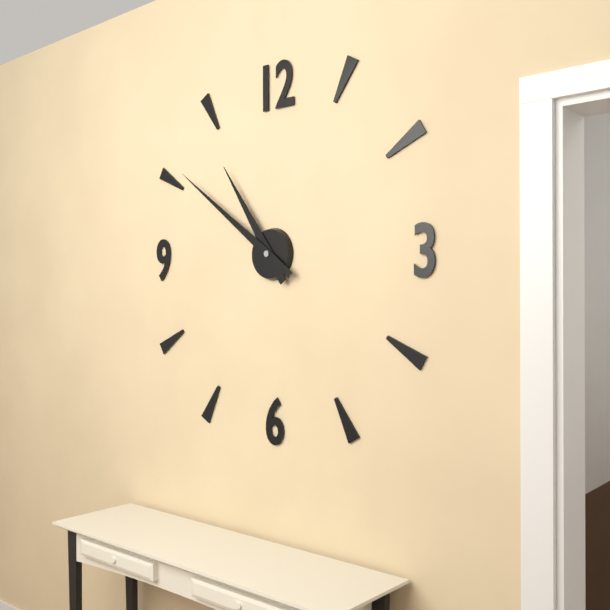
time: 10:51
